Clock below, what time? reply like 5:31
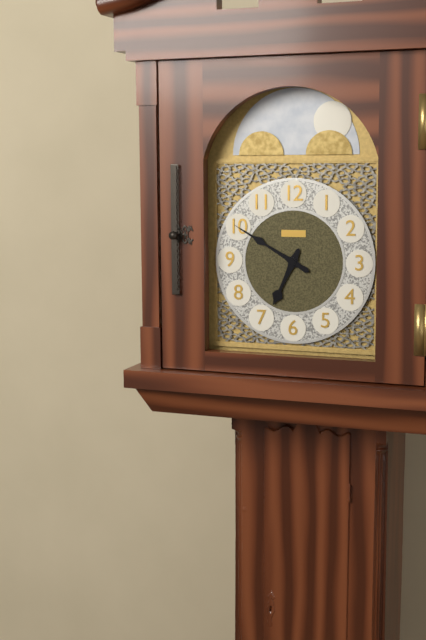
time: 6:50
